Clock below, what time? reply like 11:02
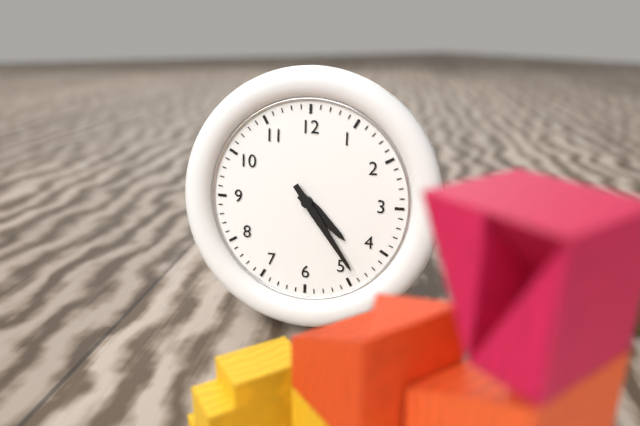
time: 4:24
